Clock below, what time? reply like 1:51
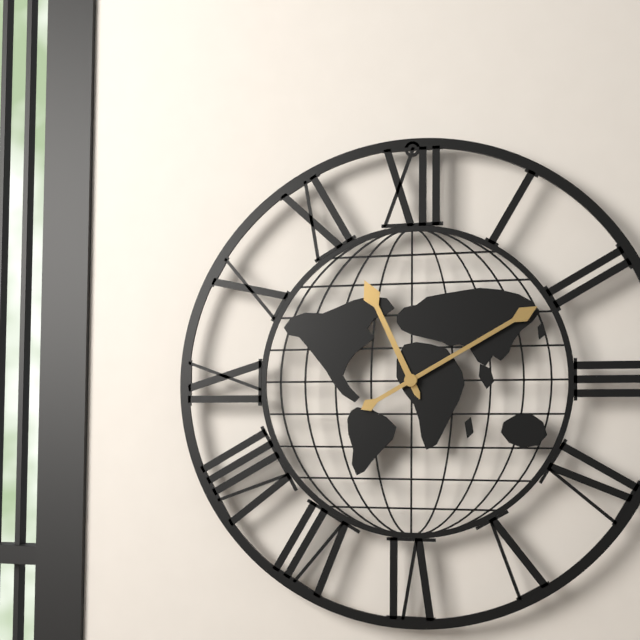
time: 11:10
